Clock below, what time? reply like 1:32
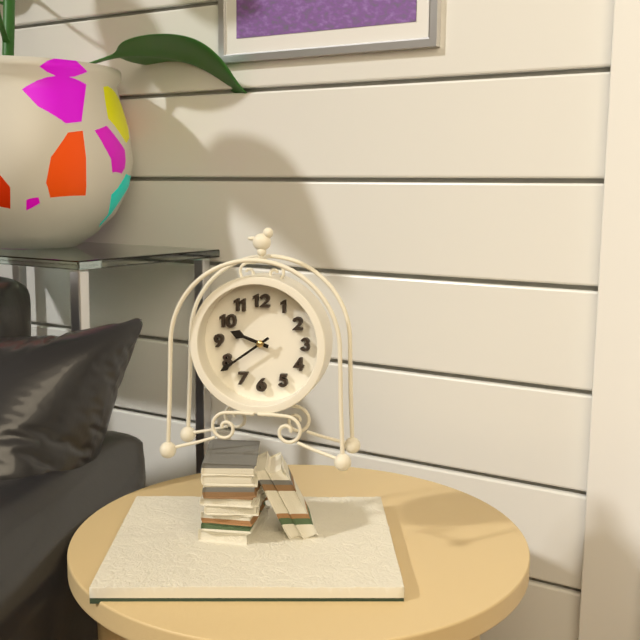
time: 9:39
